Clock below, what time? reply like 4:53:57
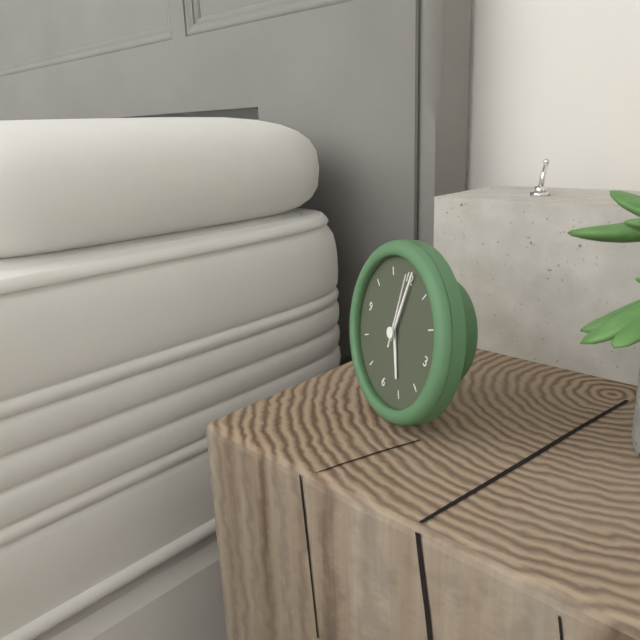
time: 5:01:00
